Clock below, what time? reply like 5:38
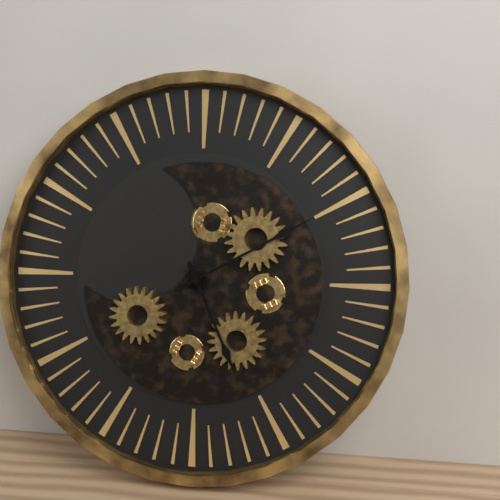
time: 5:10
